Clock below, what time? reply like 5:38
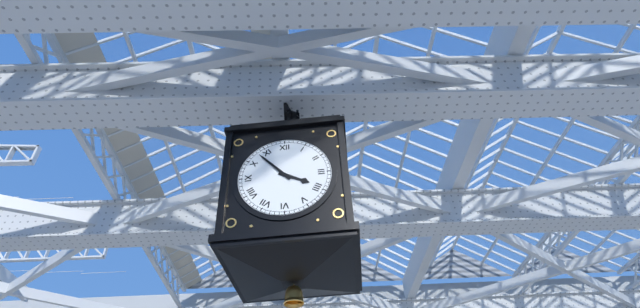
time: 3:53
